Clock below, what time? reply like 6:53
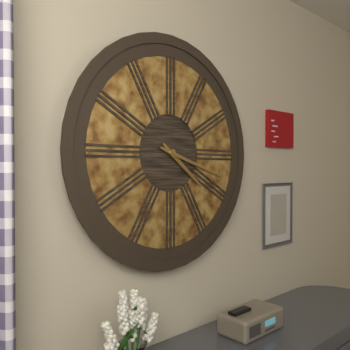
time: 4:18
